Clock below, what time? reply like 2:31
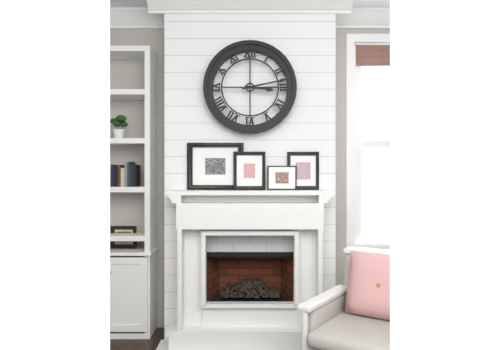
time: 3:13
